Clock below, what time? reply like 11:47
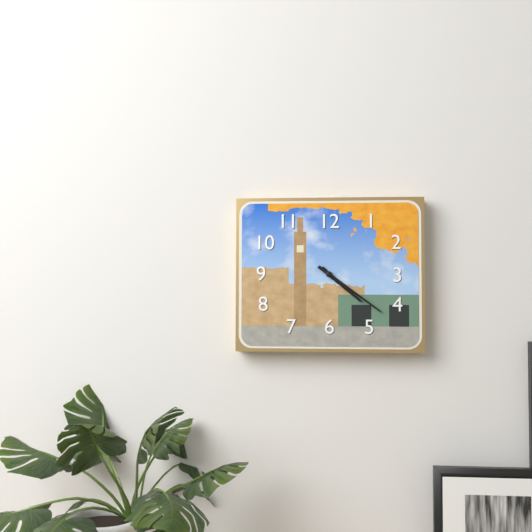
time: 4:21
